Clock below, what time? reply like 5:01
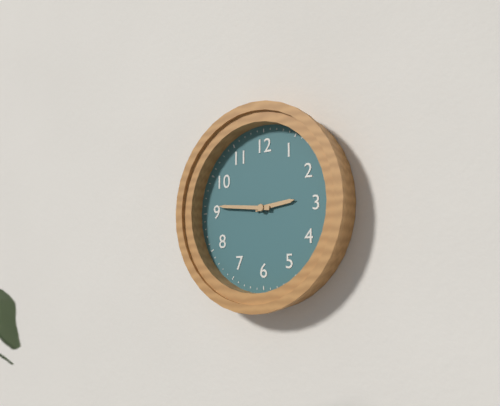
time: 2:46
